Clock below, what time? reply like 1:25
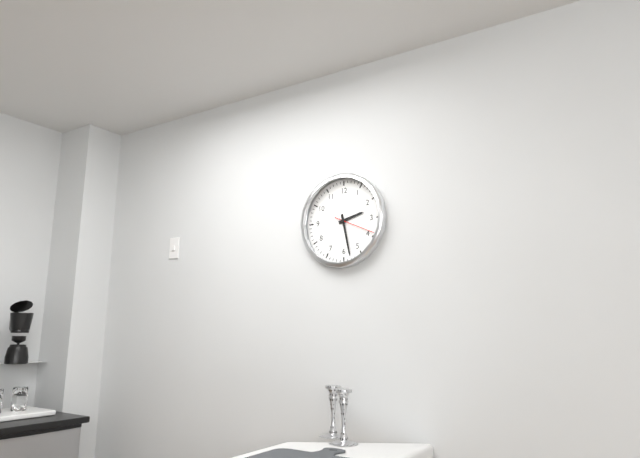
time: 2:28
